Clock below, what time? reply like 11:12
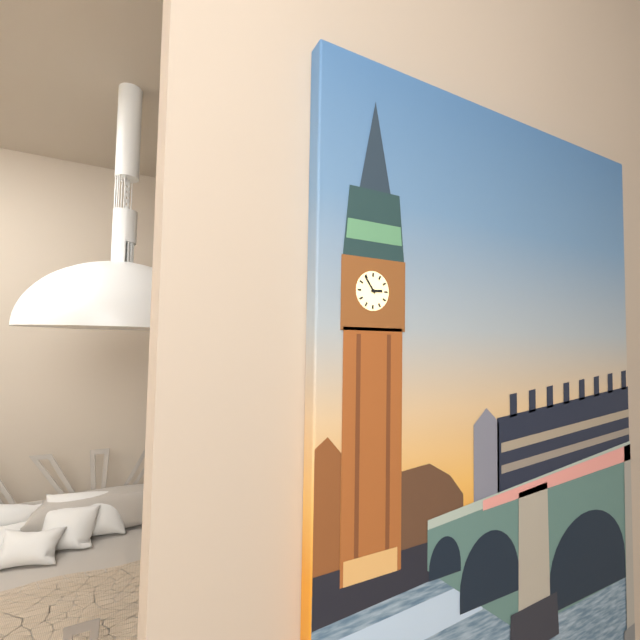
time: 2:54
